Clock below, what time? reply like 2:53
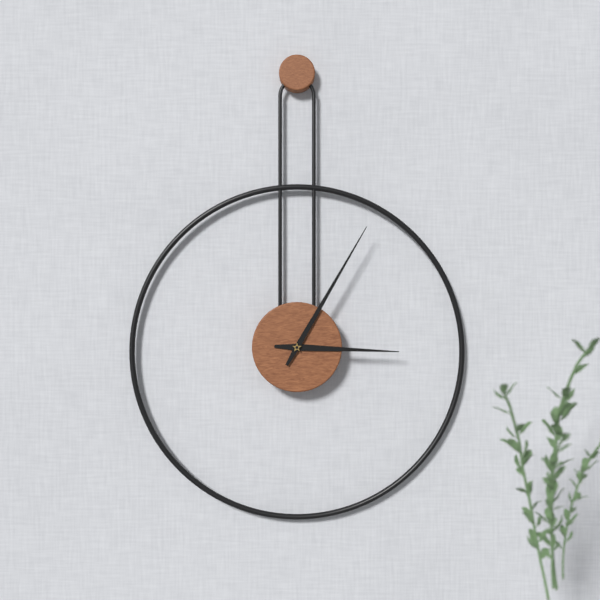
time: 3:05
